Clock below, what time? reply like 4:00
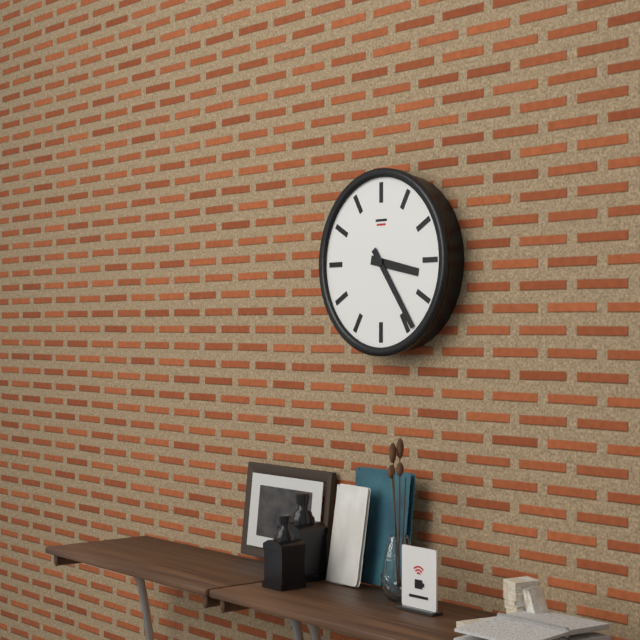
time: 3:24
